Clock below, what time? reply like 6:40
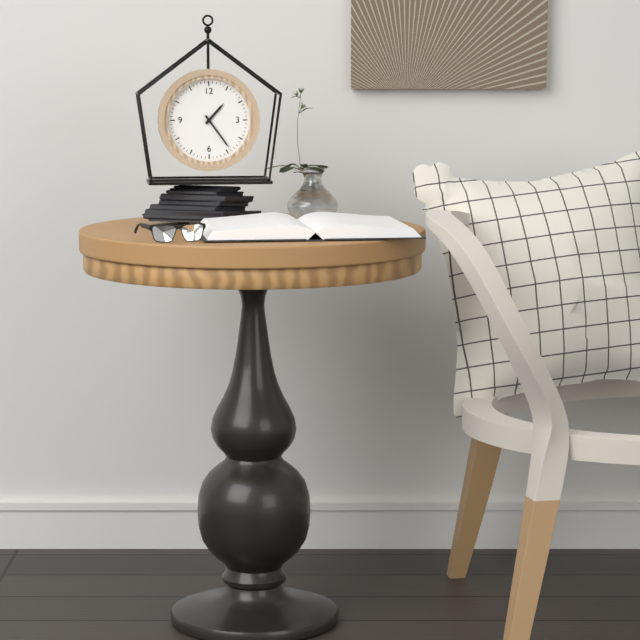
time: 1:24
